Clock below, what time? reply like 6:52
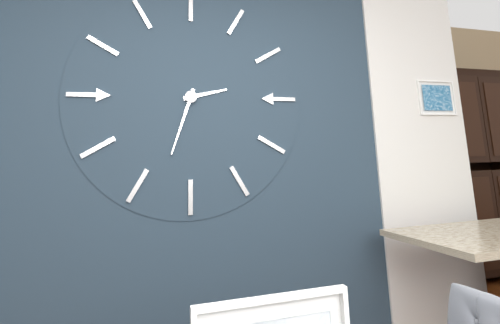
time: 2:33
